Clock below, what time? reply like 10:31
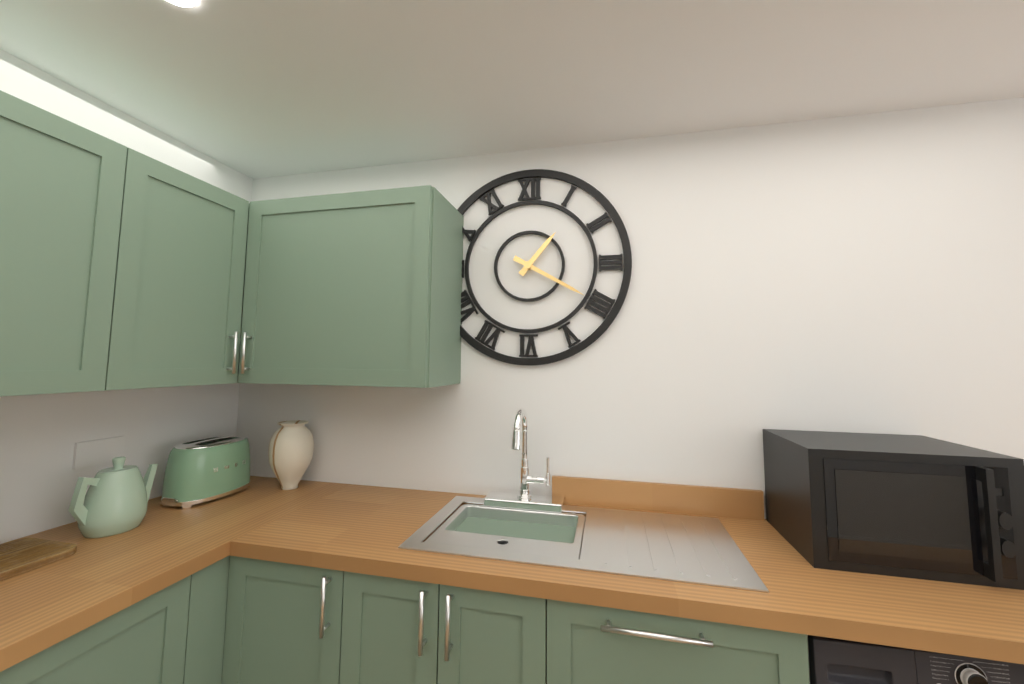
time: 1:20
